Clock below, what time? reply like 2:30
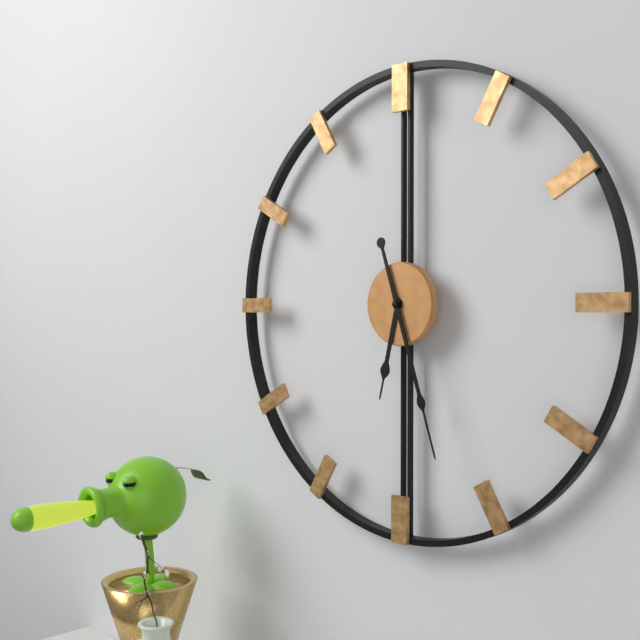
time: 6:27
